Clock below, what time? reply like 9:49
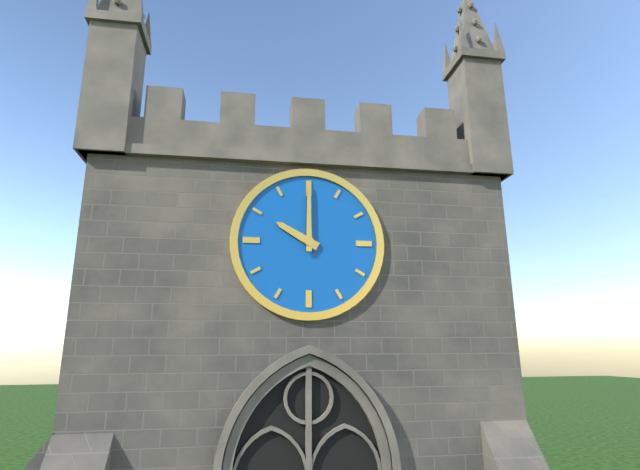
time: 10:00
